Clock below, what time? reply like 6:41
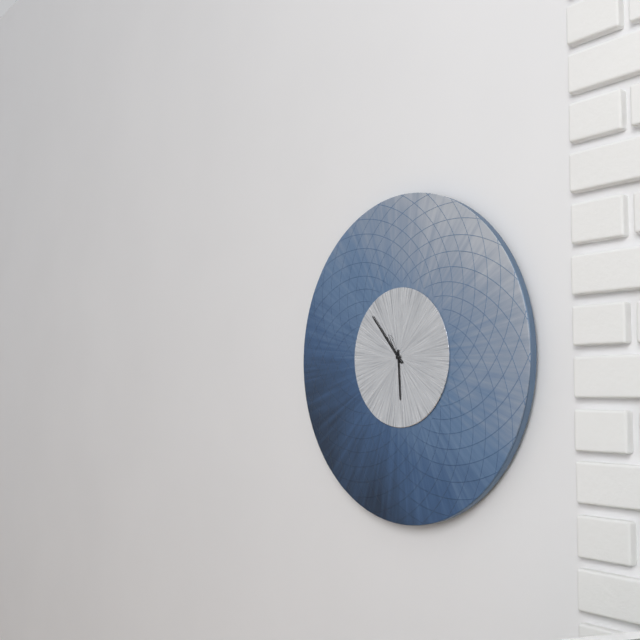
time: 5:53
